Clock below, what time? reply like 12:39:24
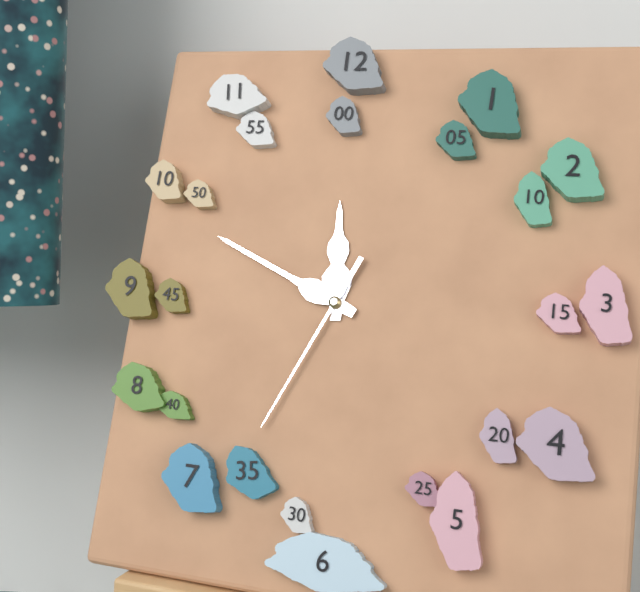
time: 11:49:34
